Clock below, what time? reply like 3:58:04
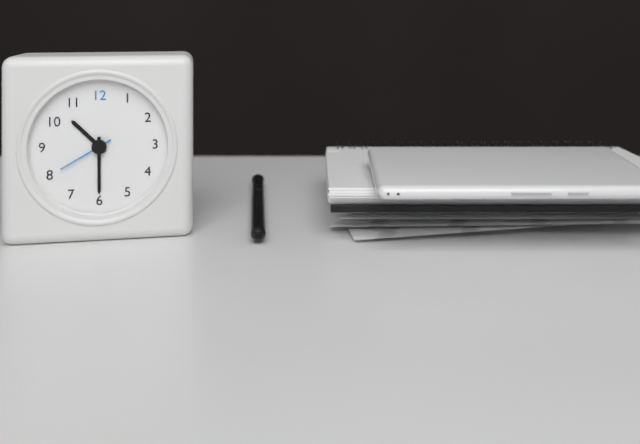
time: 10:30:40
